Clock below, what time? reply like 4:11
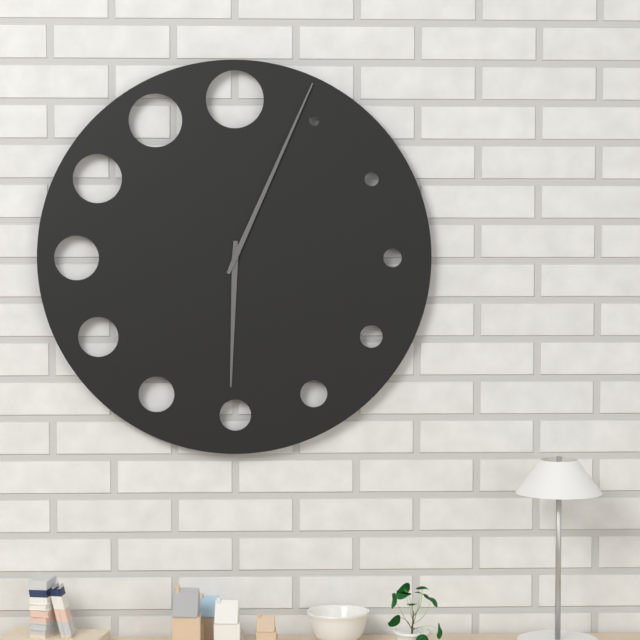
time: 6:04
